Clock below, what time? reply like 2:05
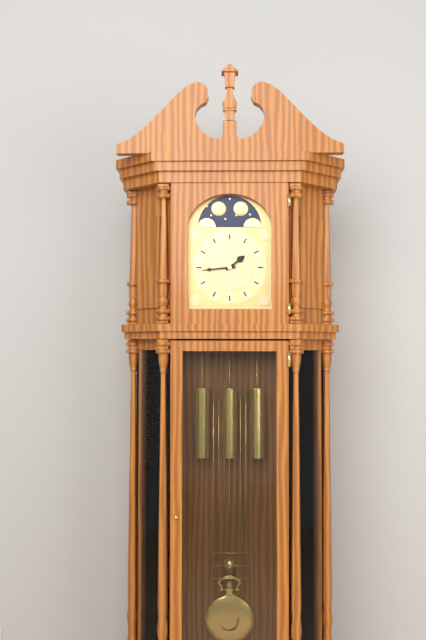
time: 1:44
